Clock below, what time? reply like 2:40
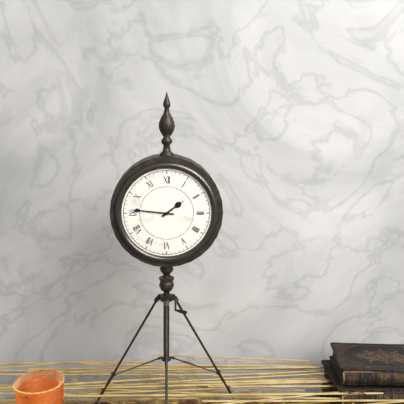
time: 1:46
